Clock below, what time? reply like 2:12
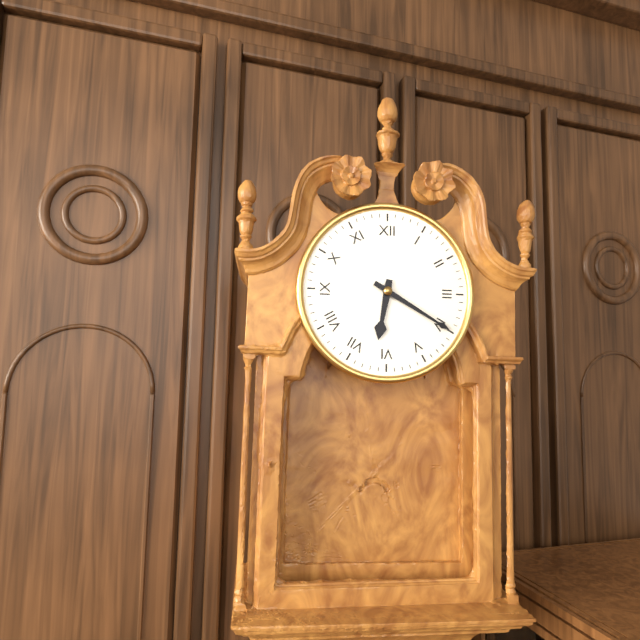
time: 6:20
